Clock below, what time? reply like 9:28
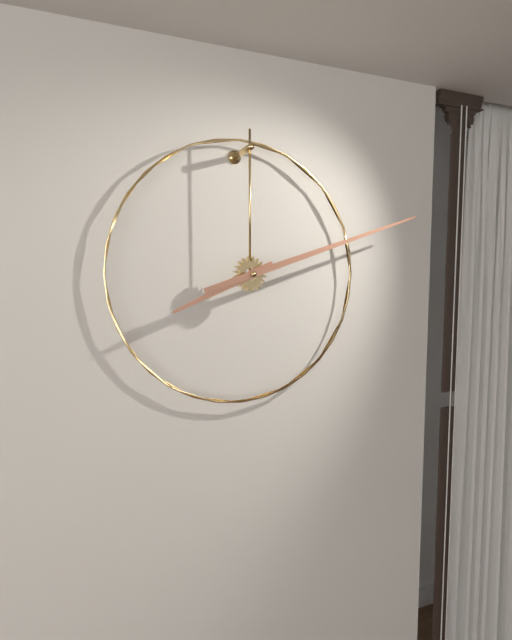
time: 8:12
